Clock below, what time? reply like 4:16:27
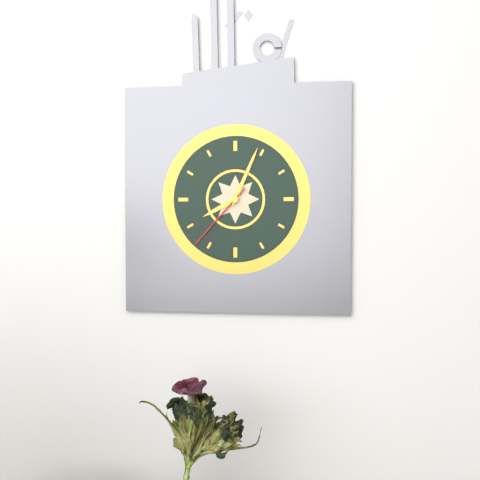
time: 8:04:37
